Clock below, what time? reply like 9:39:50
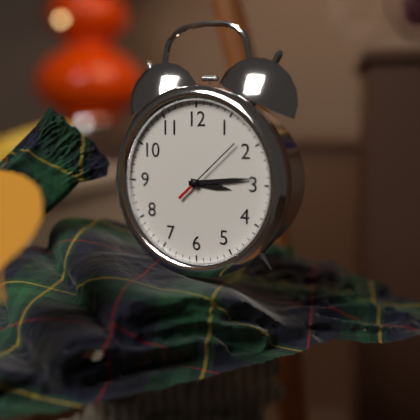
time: 3:14:08
